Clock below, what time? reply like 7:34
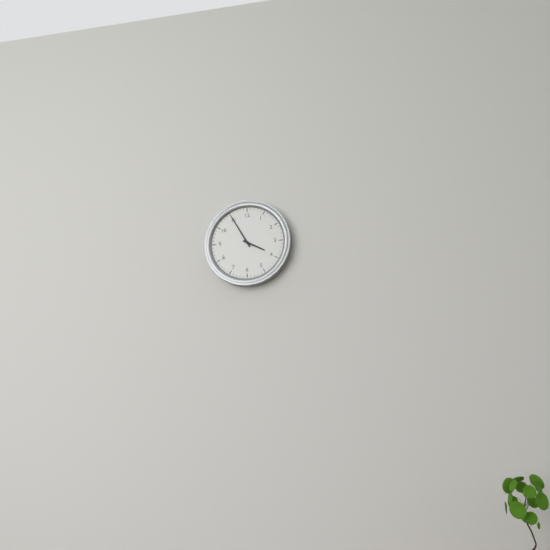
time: 3:55
